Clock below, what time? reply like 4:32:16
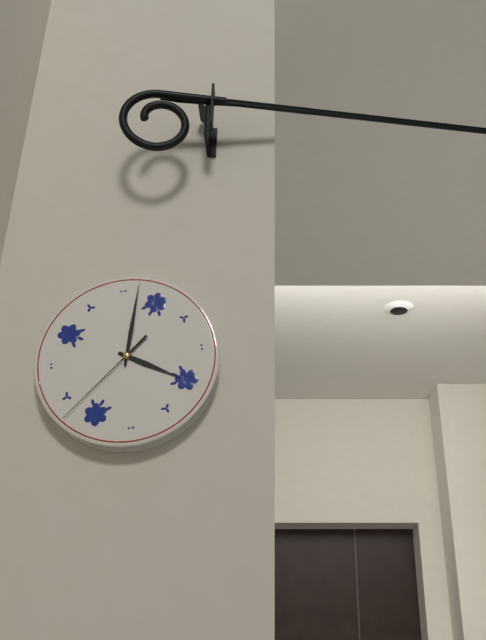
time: 4:02:38
